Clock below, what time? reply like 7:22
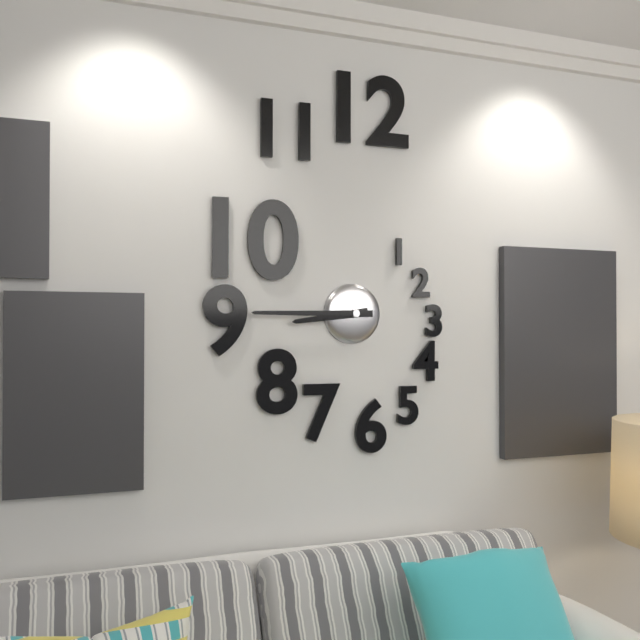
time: 8:45
